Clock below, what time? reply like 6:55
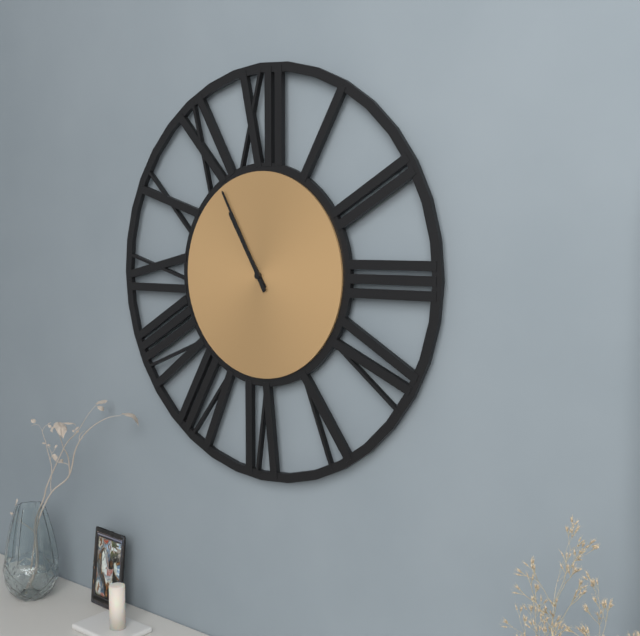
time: 10:55
